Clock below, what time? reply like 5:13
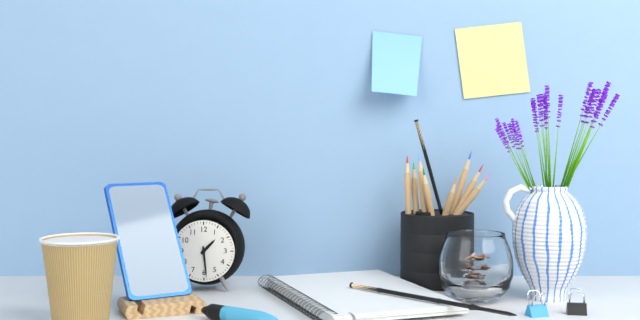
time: 1:29
